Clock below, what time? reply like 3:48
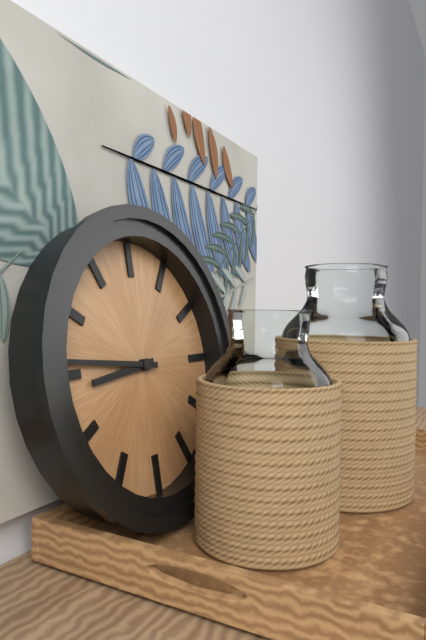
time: 8:46
